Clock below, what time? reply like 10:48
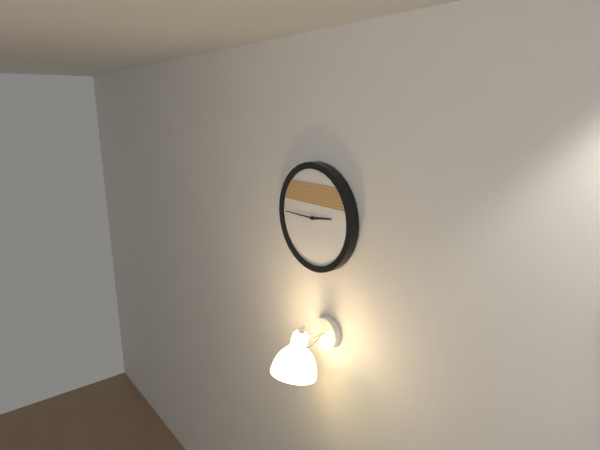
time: 2:45
